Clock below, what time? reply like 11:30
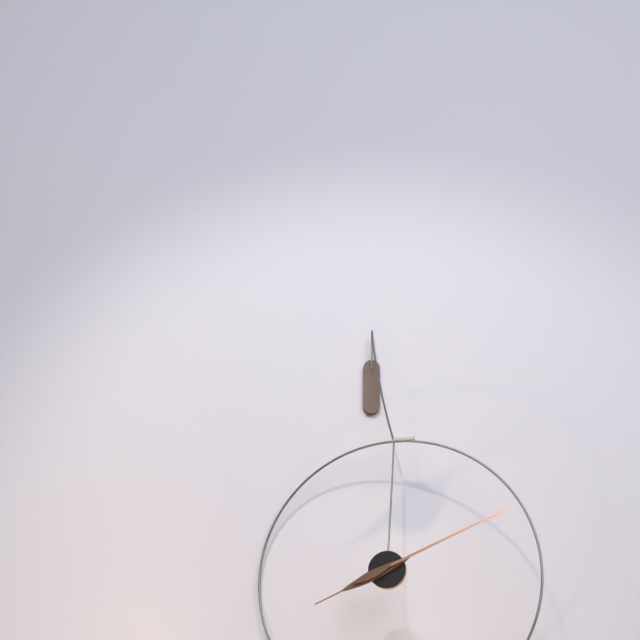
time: 8:11
